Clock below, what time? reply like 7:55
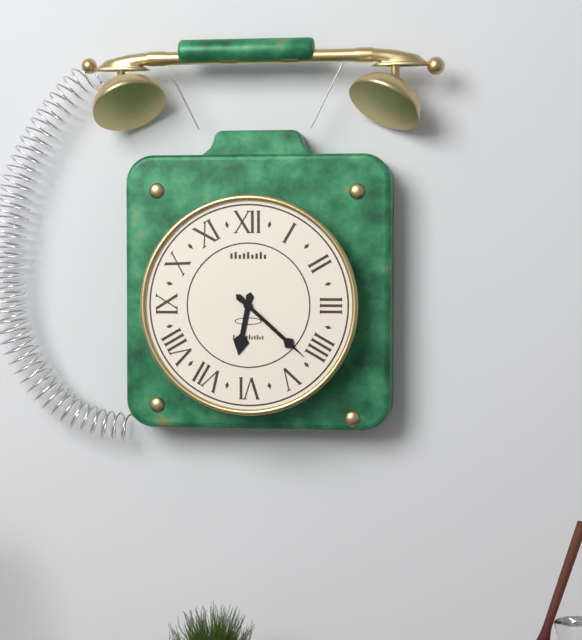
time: 6:22
